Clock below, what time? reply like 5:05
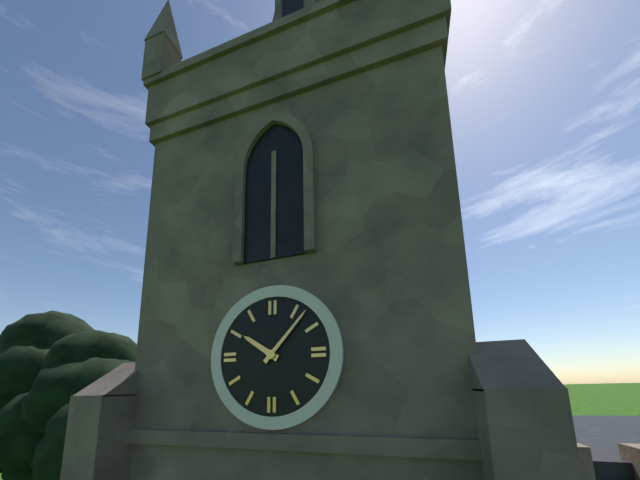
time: 10:07
